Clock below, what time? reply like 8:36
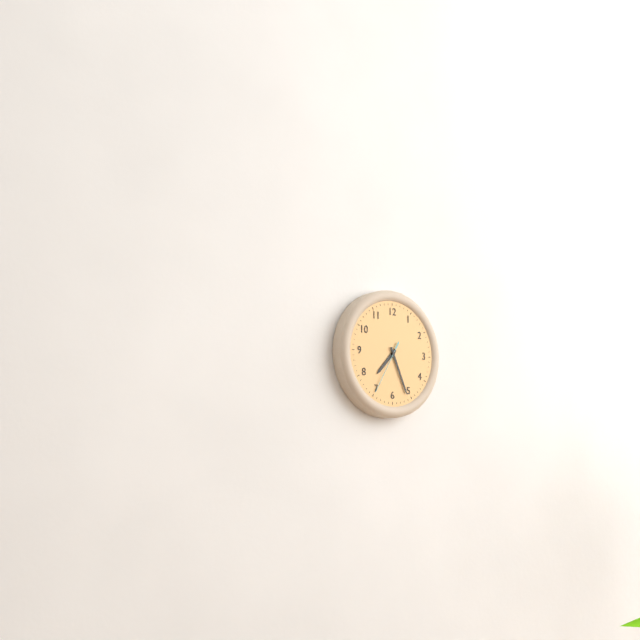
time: 7:26
